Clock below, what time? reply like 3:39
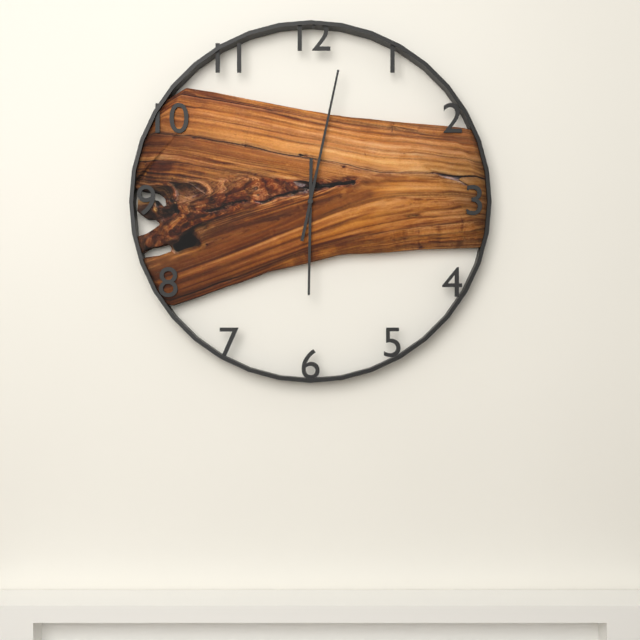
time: 6:02
